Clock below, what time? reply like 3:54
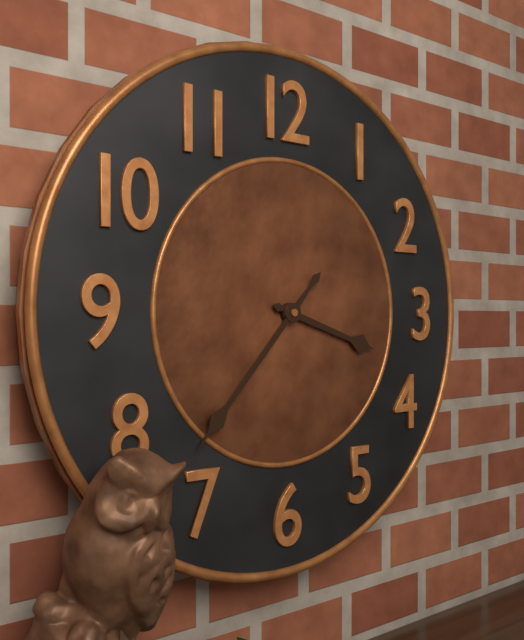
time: 3:37
